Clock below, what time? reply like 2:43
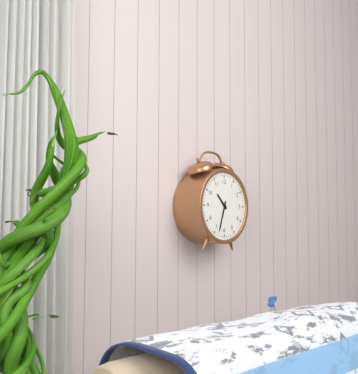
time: 10:33
